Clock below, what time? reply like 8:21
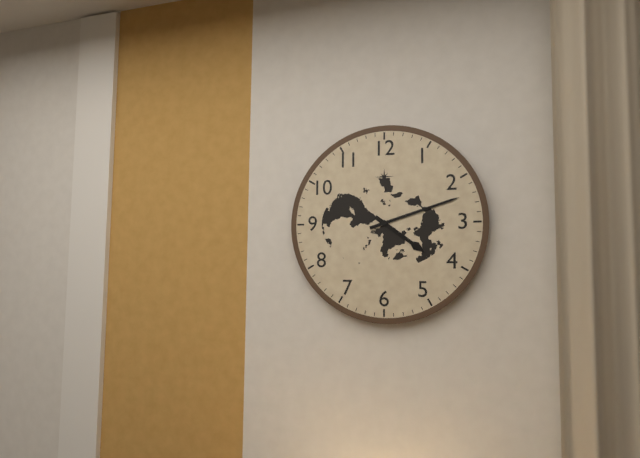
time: 4:12
